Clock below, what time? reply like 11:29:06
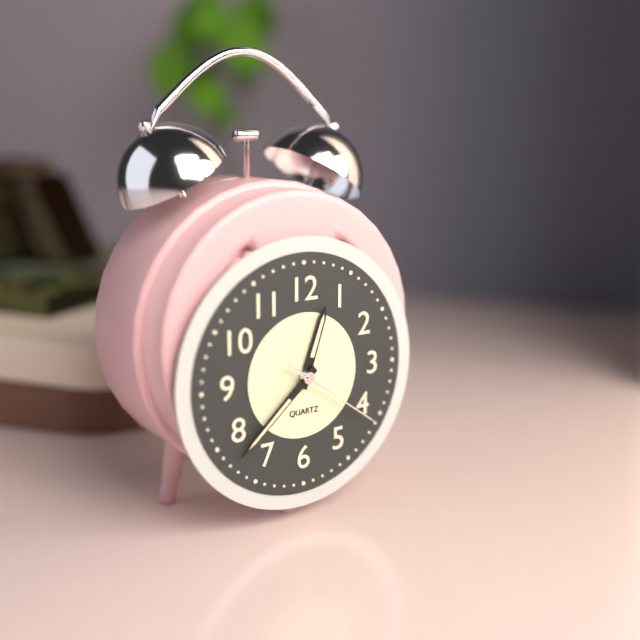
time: 12:38:21
